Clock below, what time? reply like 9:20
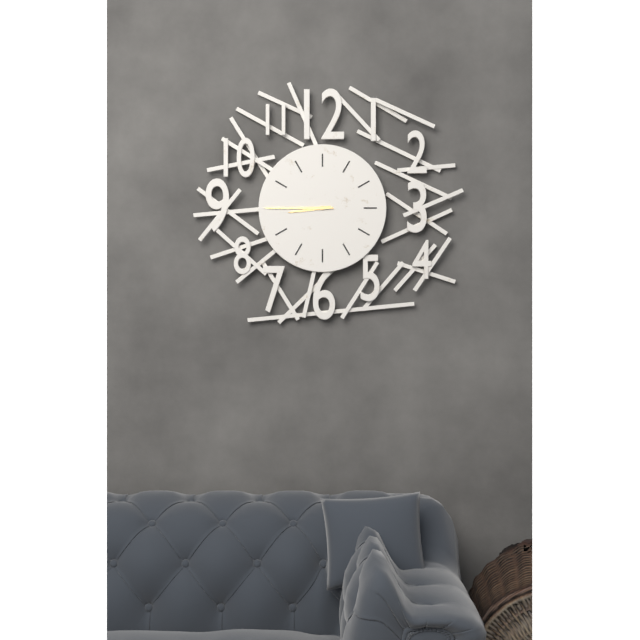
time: 8:45
